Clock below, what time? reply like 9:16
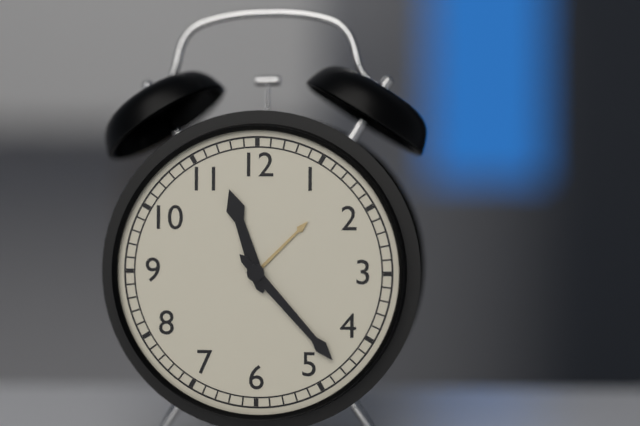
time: 11:23
